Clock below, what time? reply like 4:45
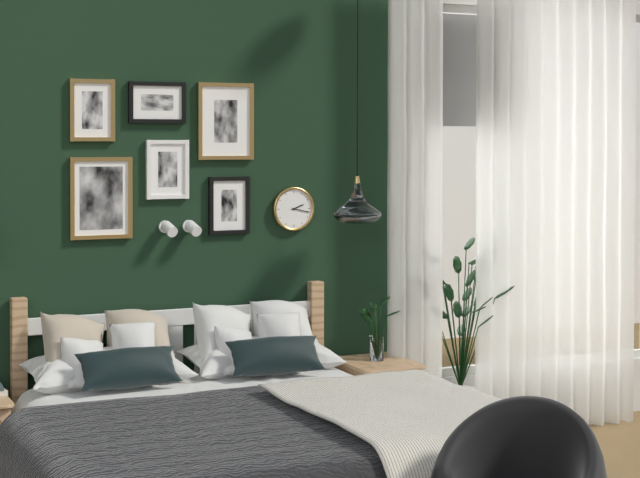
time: 2:17
